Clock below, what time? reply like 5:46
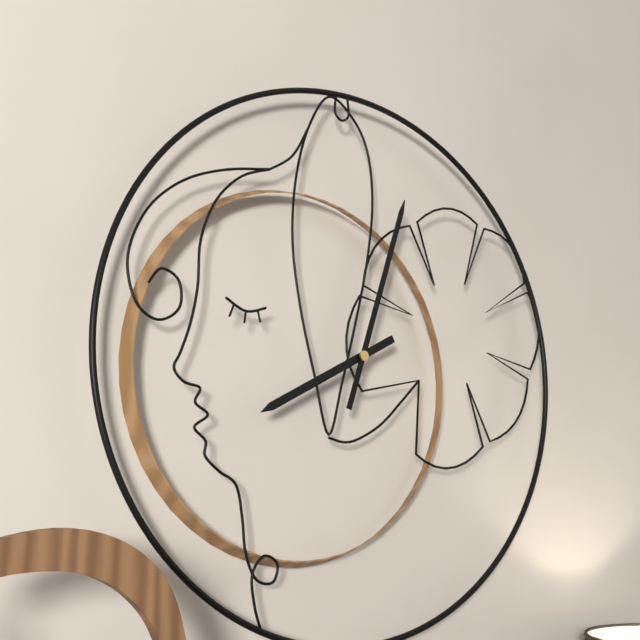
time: 8:03
